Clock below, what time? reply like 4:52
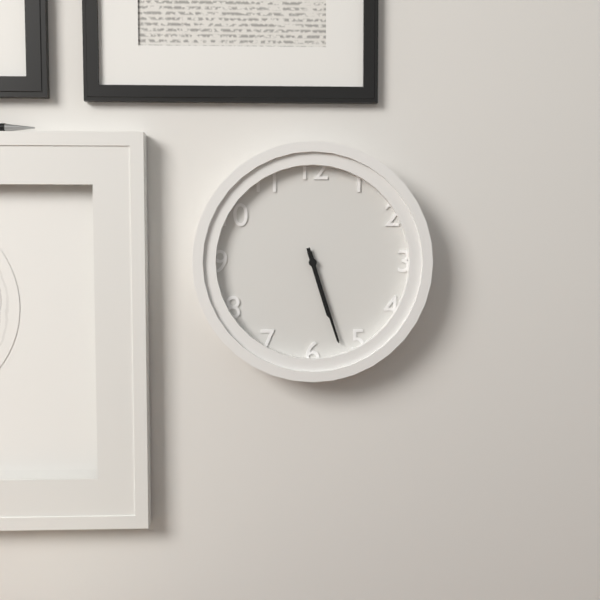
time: 5:27
